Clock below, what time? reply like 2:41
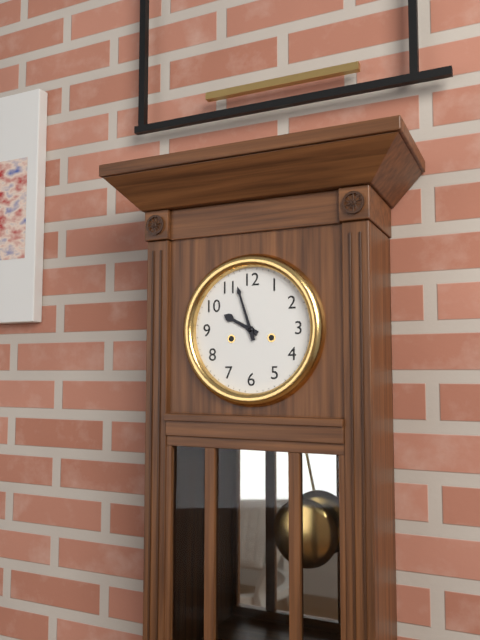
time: 9:57
